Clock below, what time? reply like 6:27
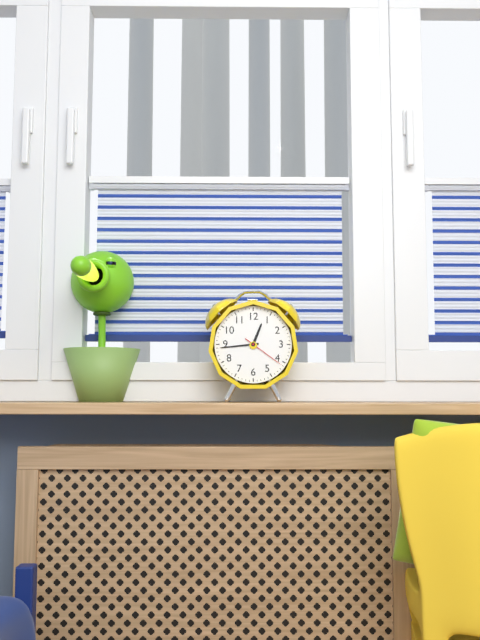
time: 12:44
